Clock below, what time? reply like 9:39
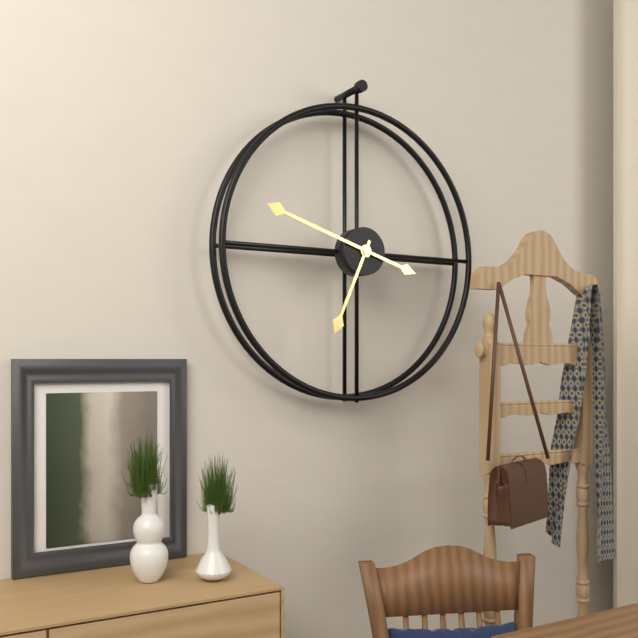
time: 6:48
